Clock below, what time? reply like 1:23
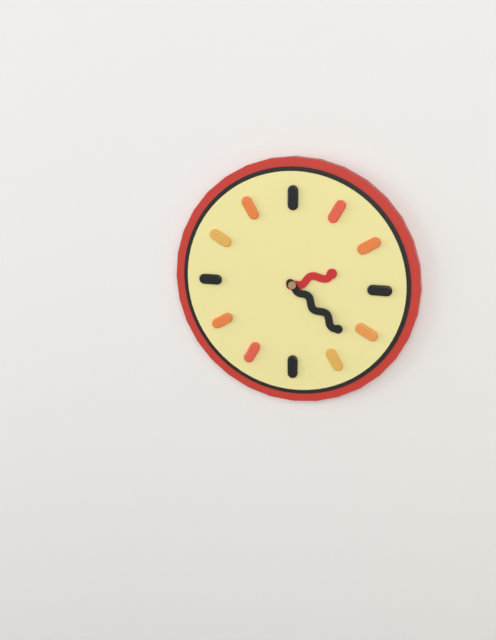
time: 2:22
